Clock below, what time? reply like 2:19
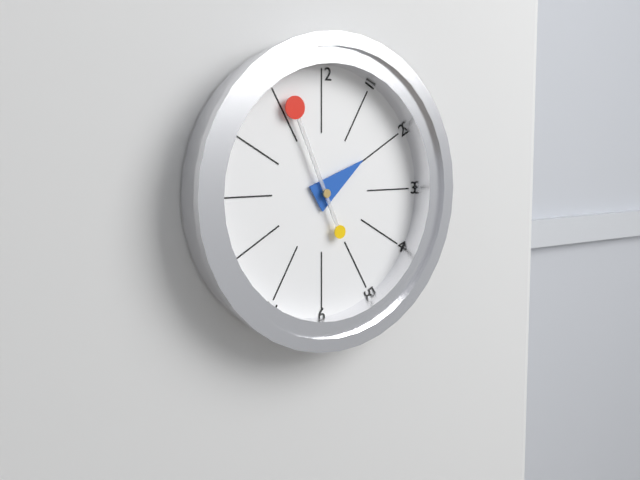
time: 1:56
